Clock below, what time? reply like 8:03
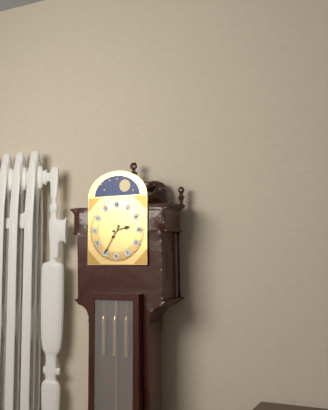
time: 2:35
